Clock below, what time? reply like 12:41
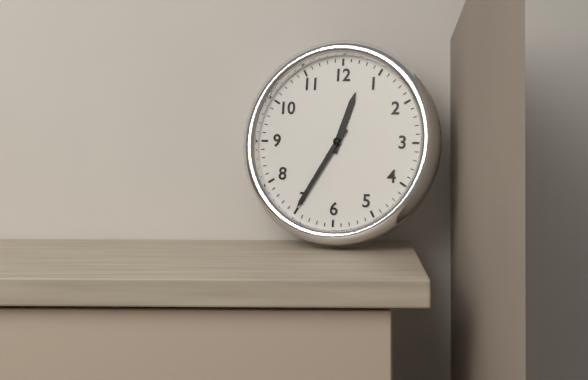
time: 12:35
